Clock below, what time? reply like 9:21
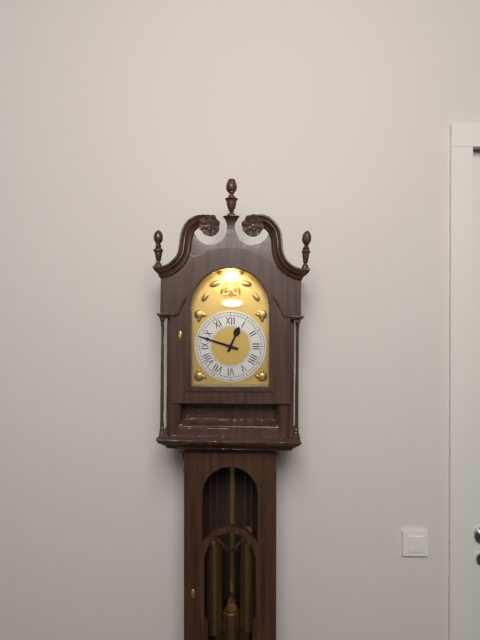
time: 12:48
